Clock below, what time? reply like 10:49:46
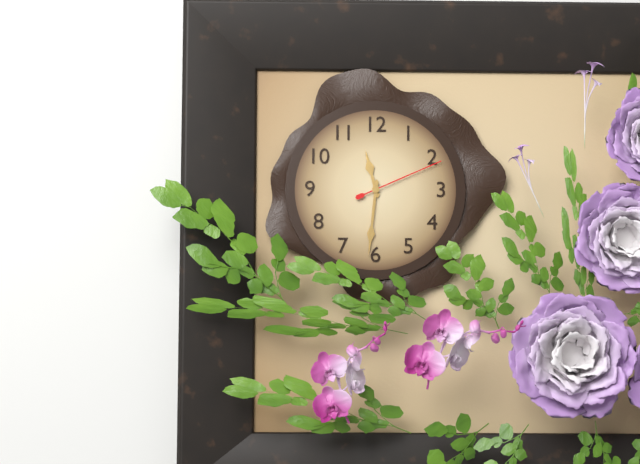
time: 11:31:11
